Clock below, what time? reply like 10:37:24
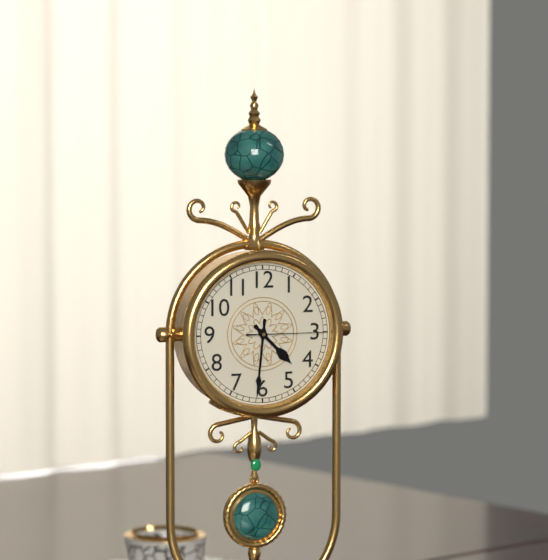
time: 4:31:15
